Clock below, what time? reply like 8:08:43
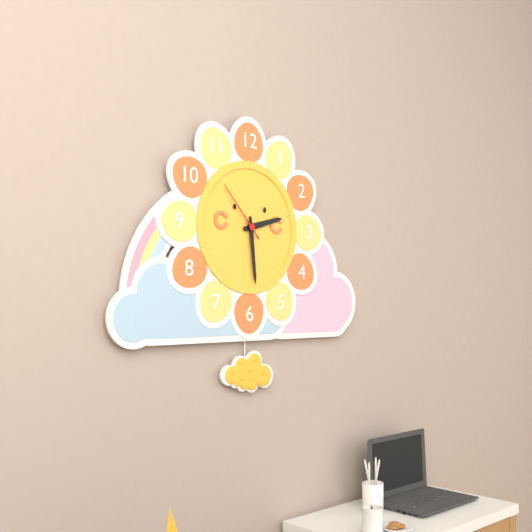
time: 2:29:53
